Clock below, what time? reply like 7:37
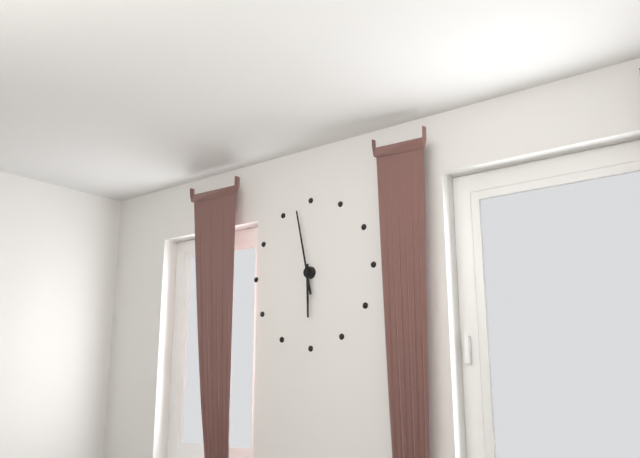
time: 5:58
